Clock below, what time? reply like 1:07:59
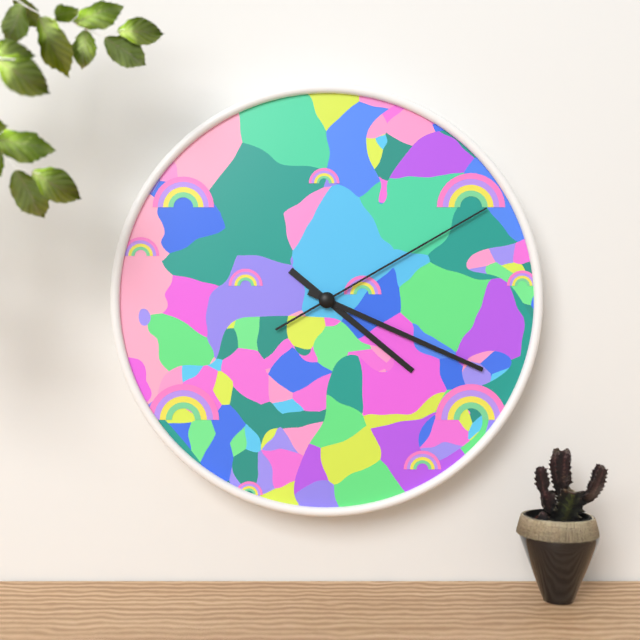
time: 4:19:10
